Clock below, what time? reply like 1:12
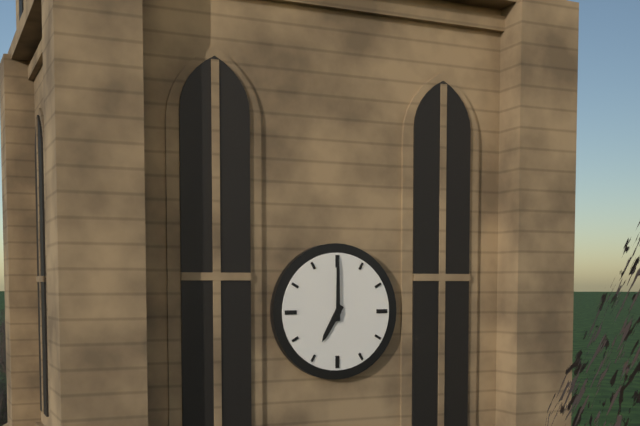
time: 7:00
